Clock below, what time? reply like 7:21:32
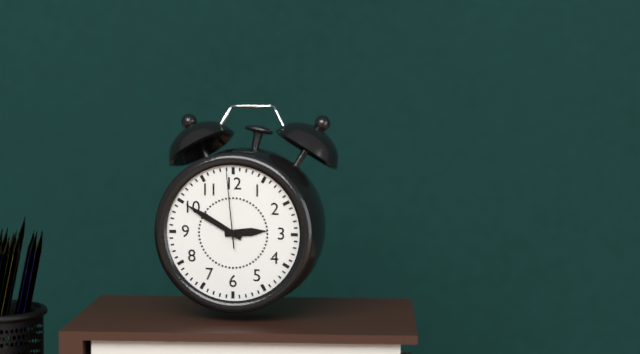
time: 2:50:59
